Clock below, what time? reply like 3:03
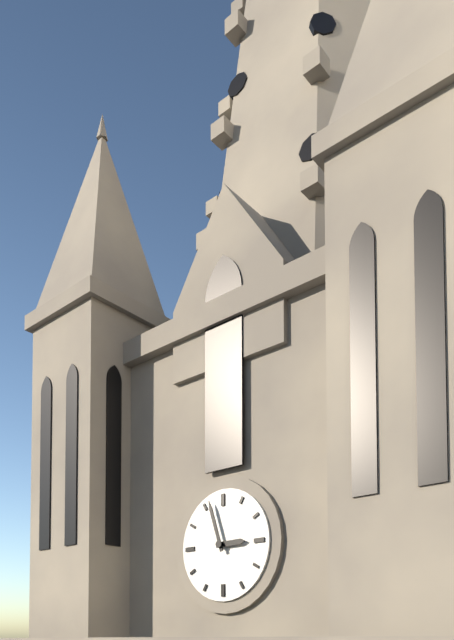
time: 2:57
